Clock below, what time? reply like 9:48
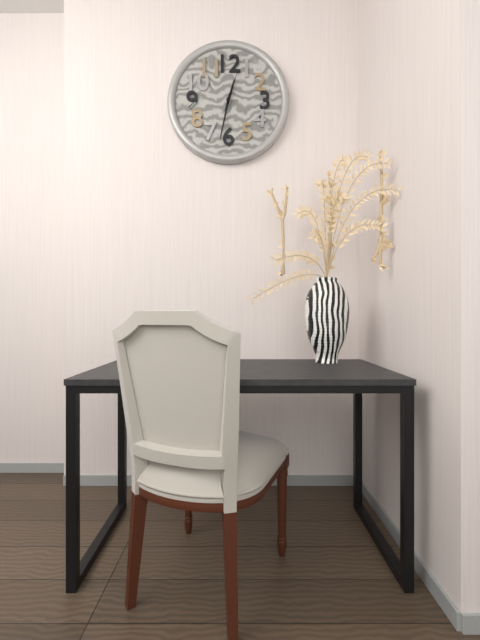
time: 12:32
